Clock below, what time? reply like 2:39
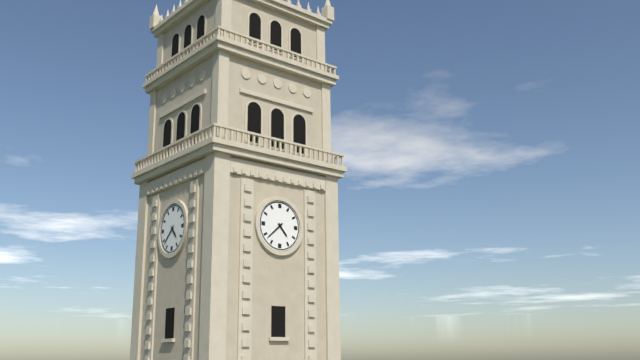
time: 4:38
